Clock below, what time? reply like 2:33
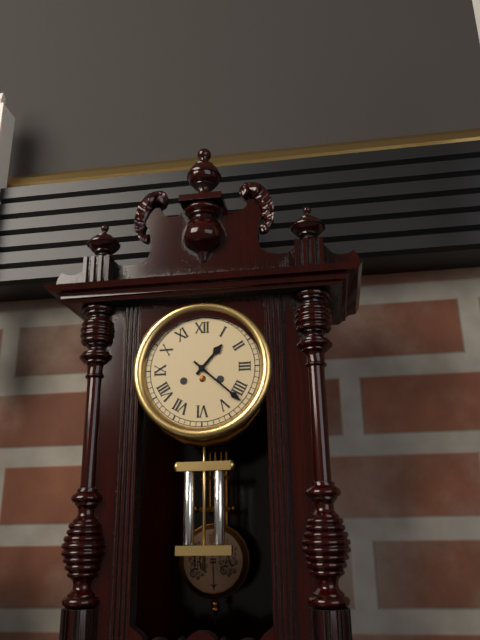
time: 1:22
